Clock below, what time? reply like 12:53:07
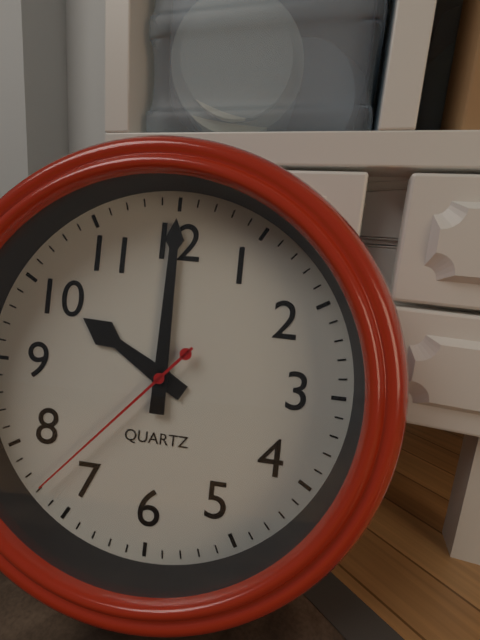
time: 10:00:37
